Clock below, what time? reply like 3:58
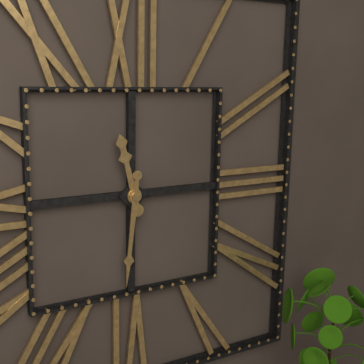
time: 11:31
